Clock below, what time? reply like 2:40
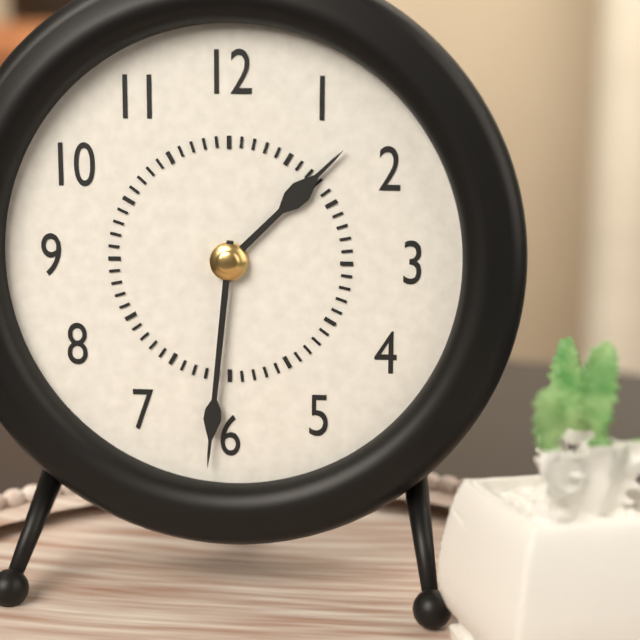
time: 1:31
